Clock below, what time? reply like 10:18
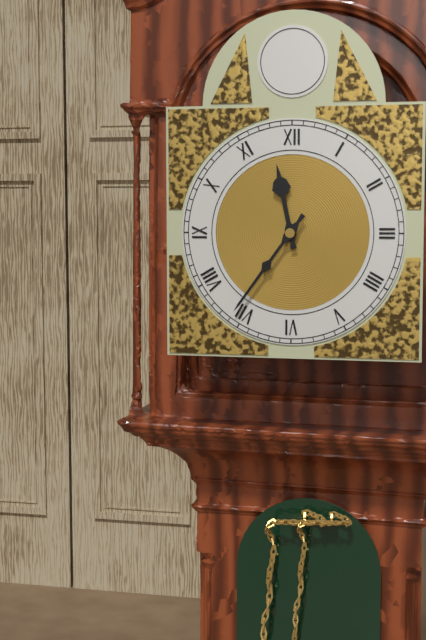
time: 11:36
